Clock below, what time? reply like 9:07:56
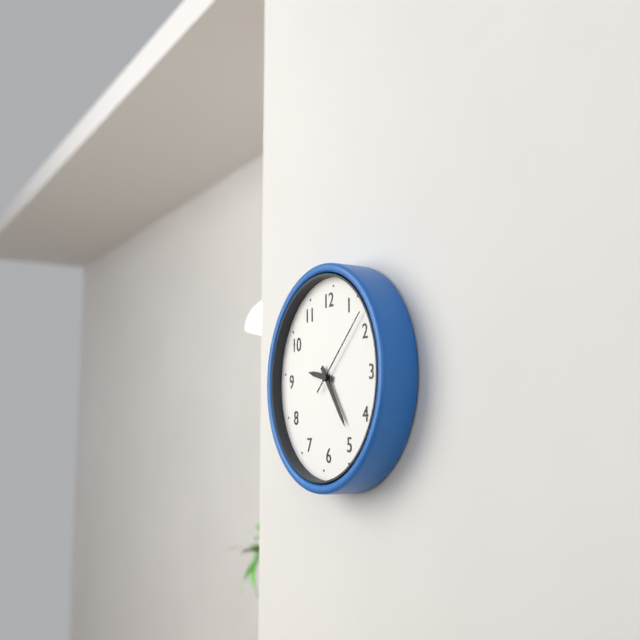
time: 9:24:08
